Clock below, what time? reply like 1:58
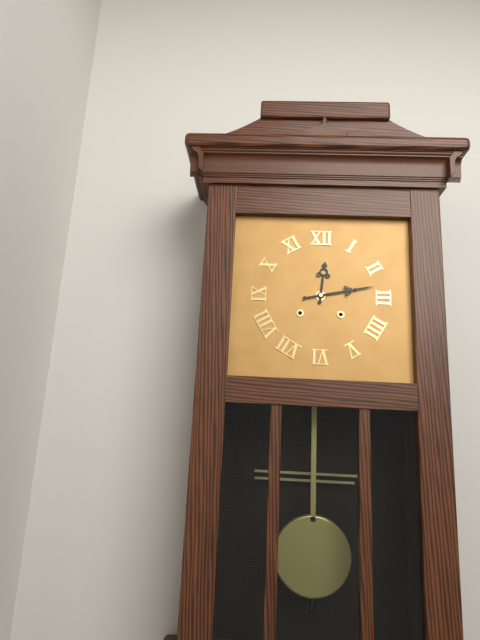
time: 12:13
